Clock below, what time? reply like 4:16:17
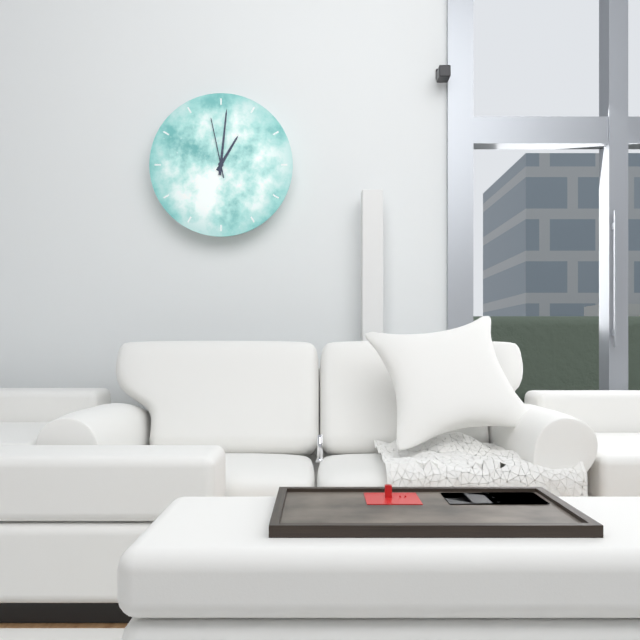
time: 1:01:58
